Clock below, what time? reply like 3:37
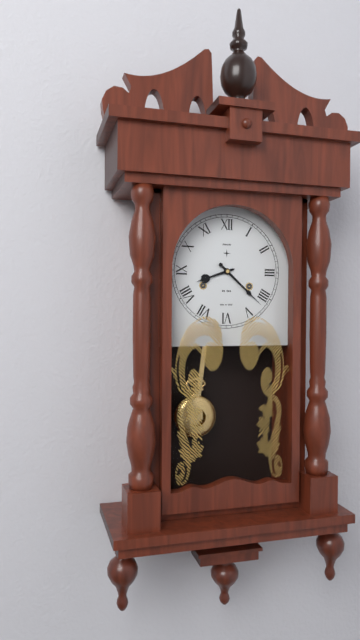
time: 8:22
